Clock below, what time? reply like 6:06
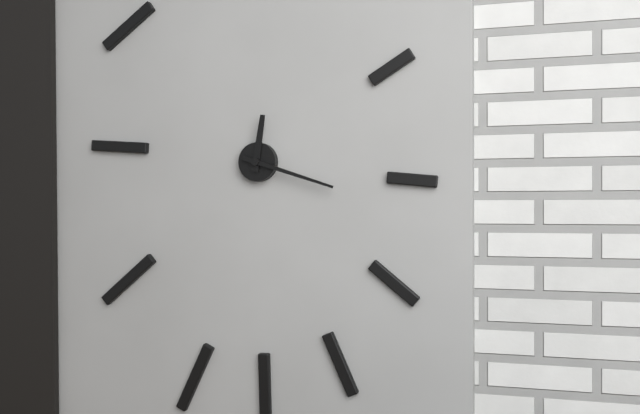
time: 12:18
